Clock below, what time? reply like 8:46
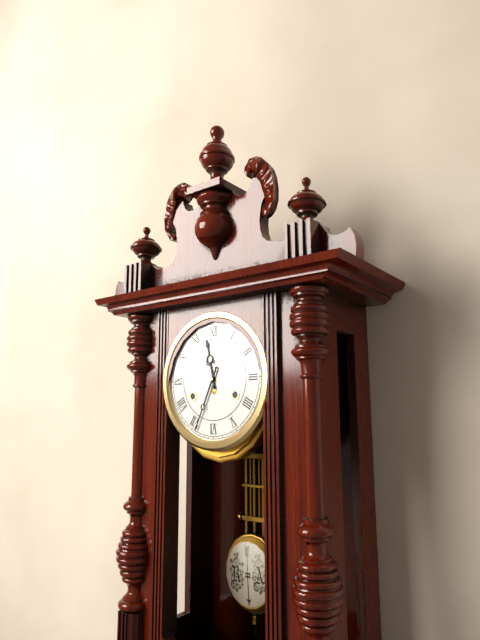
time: 11:34
